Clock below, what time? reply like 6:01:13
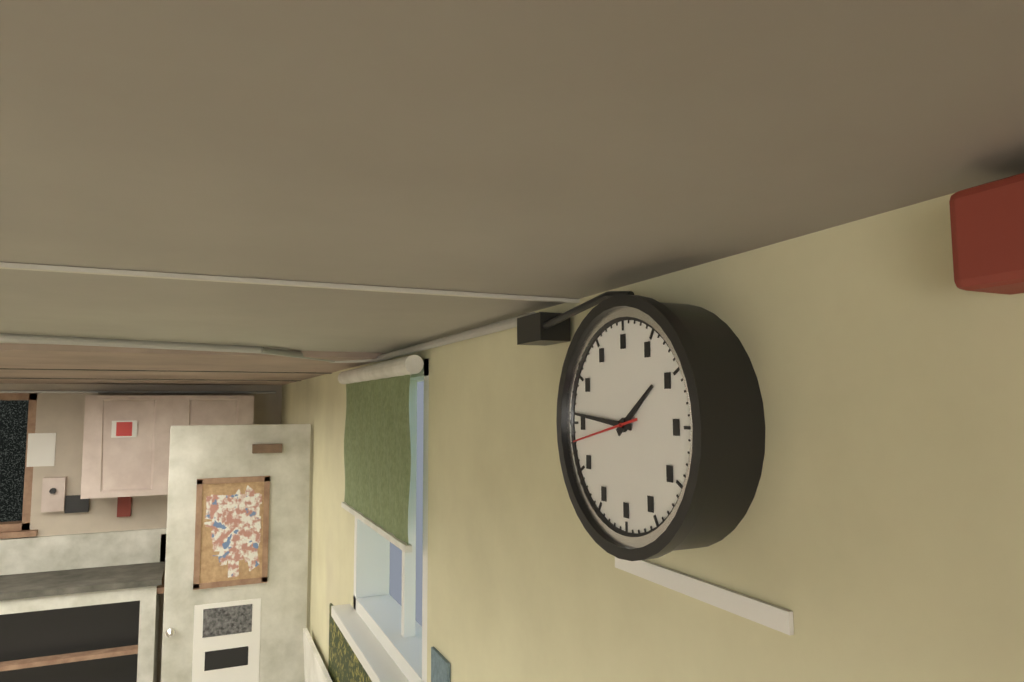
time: 1:46:43
